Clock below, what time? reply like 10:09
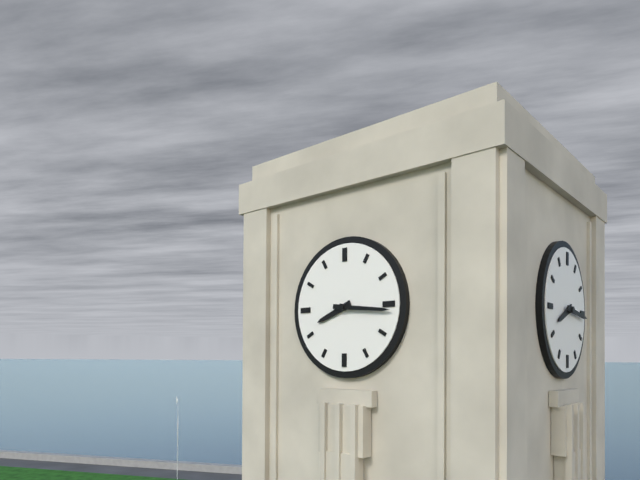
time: 8:16
